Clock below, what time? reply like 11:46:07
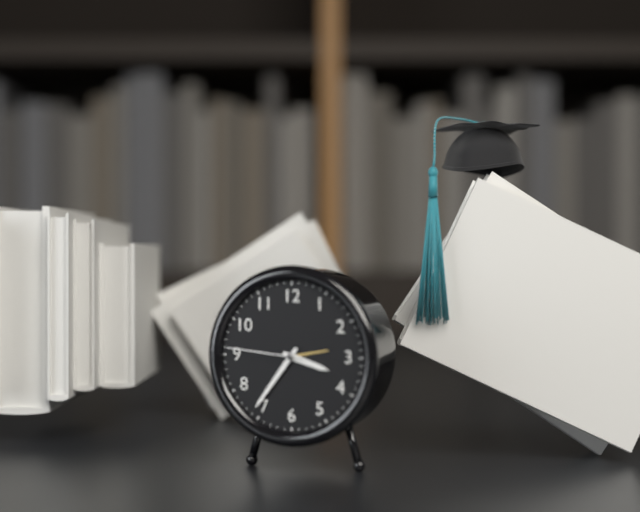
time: 3:36:46
